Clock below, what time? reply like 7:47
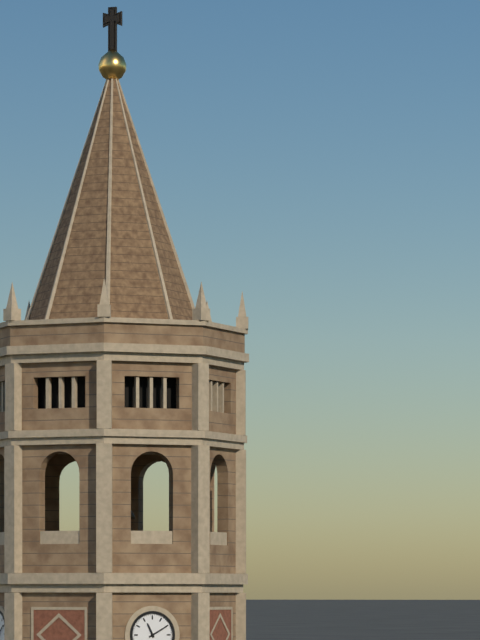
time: 11:10
